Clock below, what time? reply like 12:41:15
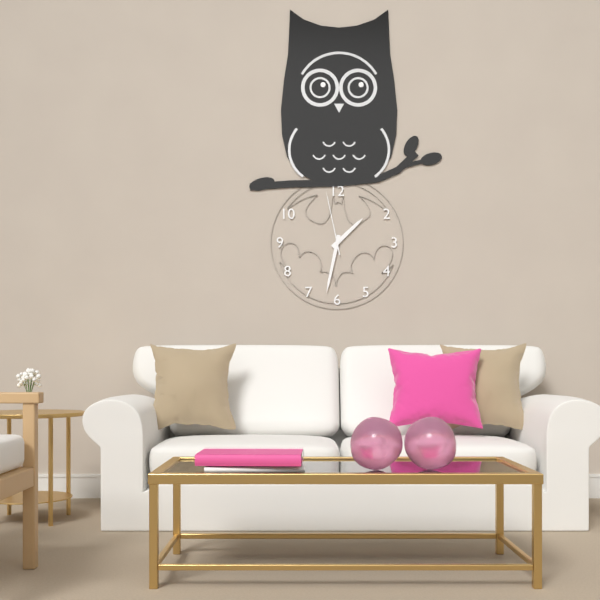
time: 1:32:58
